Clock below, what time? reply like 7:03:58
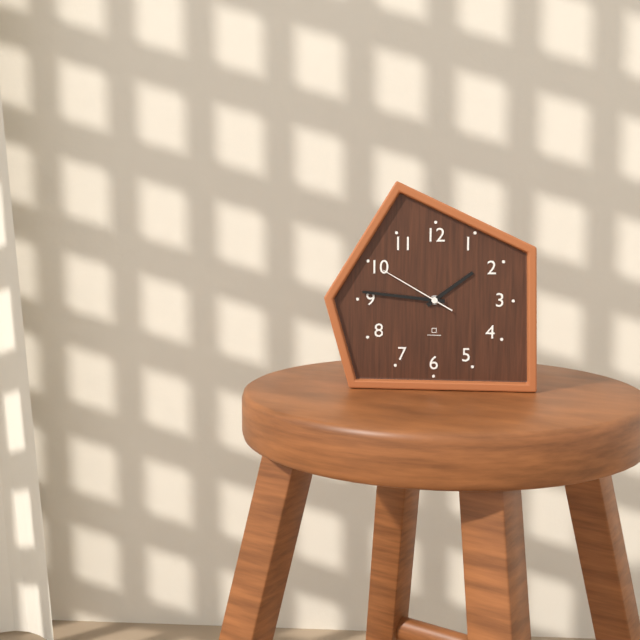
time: 1:46:50
